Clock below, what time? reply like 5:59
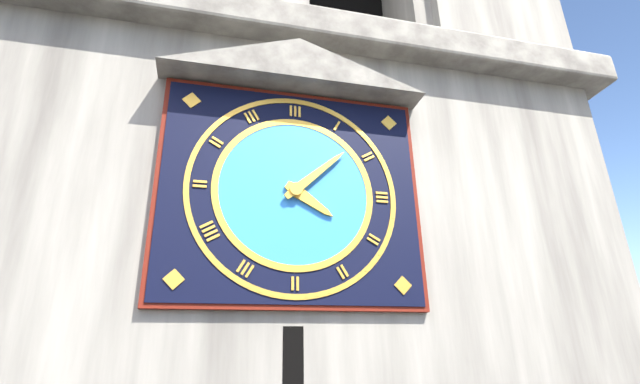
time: 4:08
